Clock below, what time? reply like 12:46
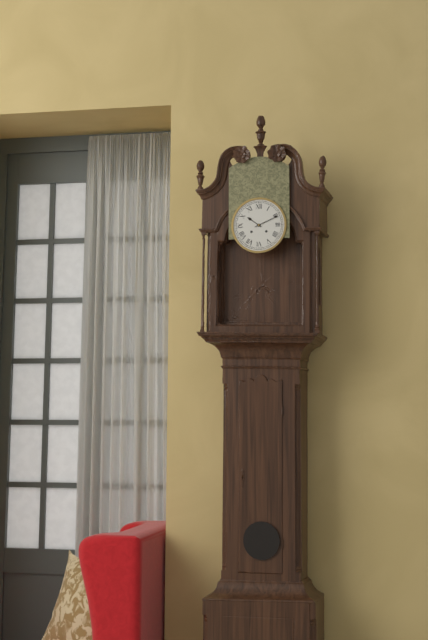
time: 10:11
